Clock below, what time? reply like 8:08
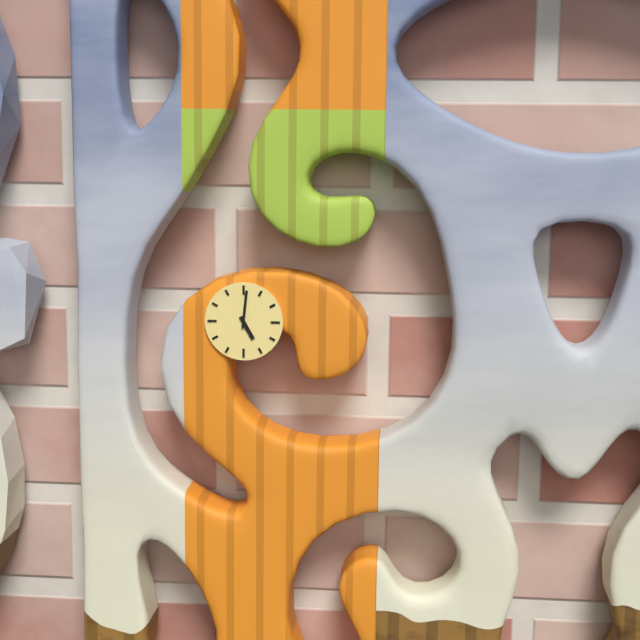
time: 5:01
